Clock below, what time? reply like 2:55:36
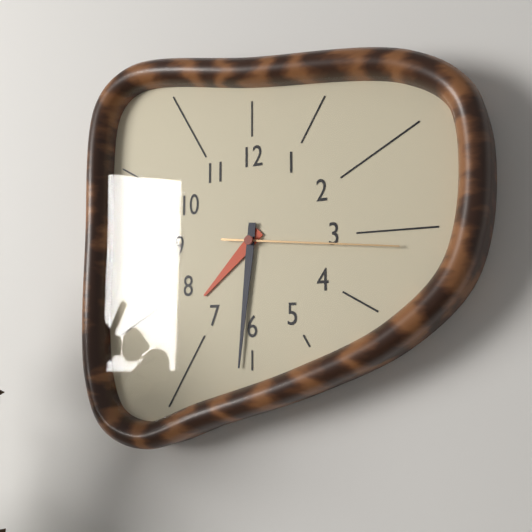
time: 7:31:16
